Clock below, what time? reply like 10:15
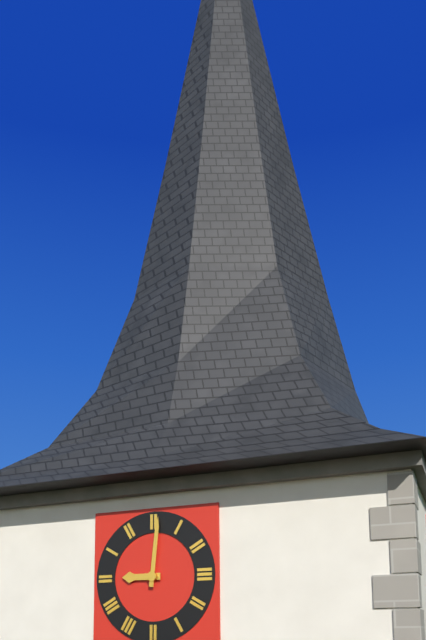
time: 9:01
